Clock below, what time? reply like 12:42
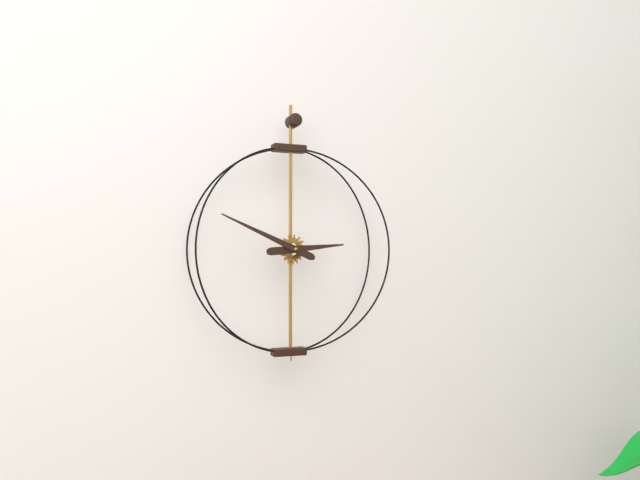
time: 2:49
